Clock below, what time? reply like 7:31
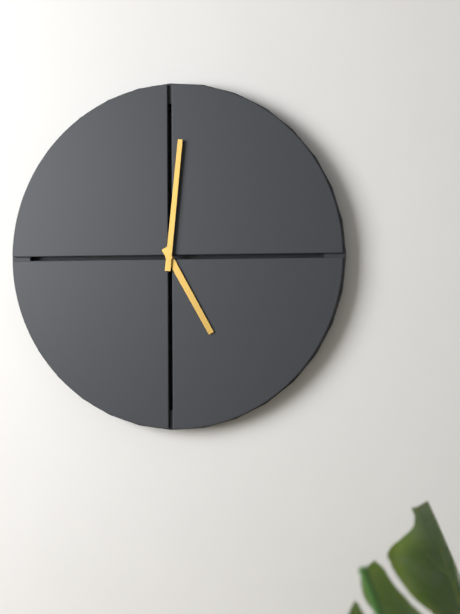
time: 5:01
